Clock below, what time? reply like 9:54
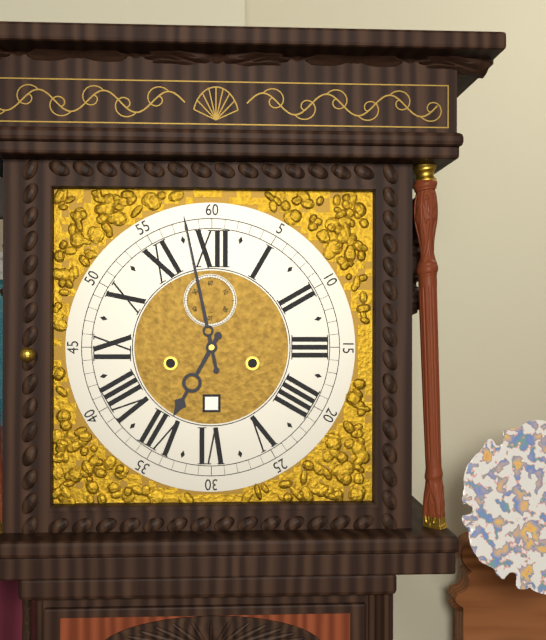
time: 6:58
